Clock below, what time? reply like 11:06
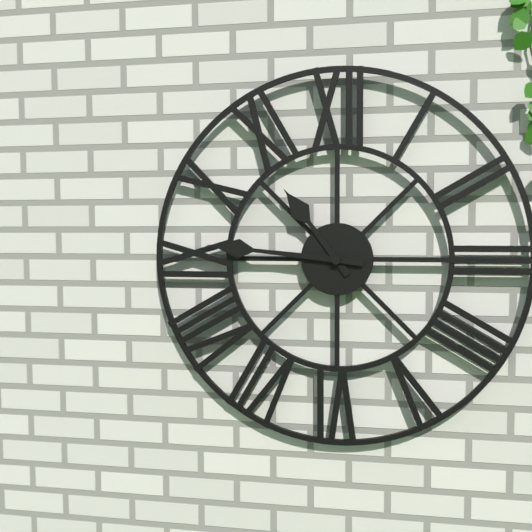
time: 10:46
